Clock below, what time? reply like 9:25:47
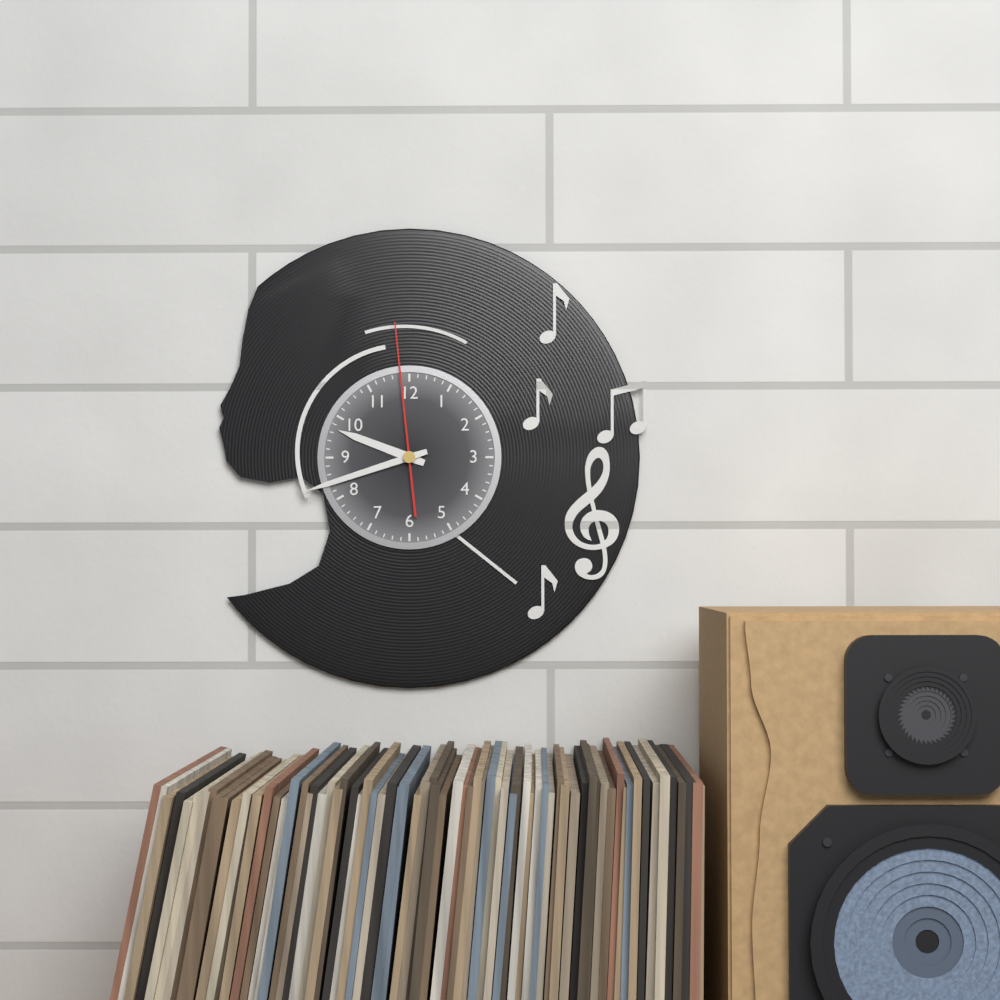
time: 9:42:59
